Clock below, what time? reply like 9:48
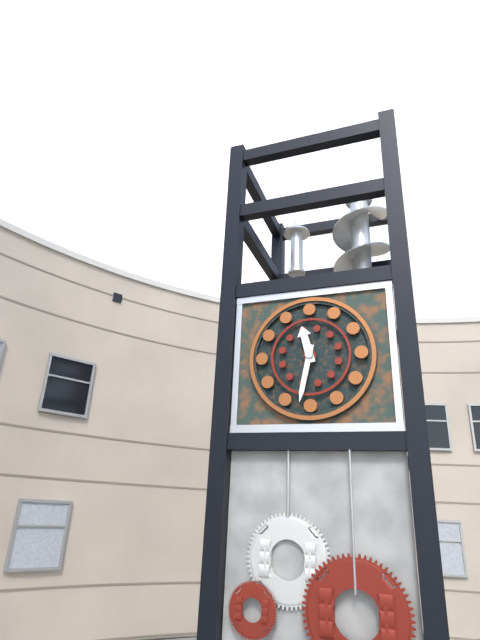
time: 11:32
